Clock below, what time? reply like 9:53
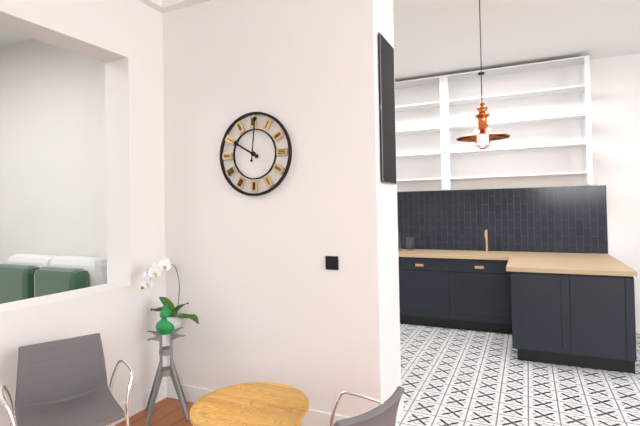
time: 10:01
